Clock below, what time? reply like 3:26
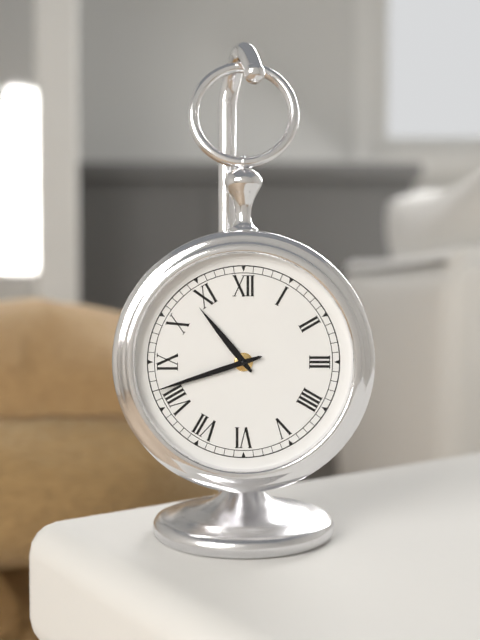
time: 10:42
